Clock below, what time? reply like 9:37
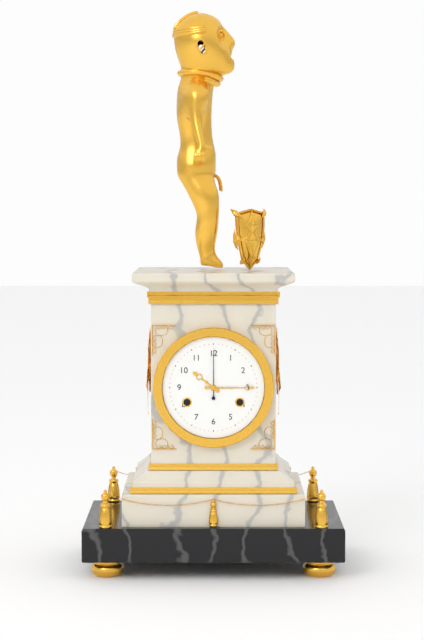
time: 10:15
